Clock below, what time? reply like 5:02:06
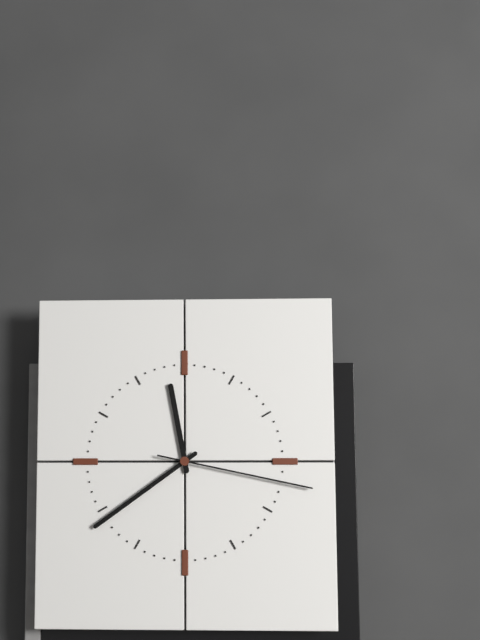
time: 11:39:17
